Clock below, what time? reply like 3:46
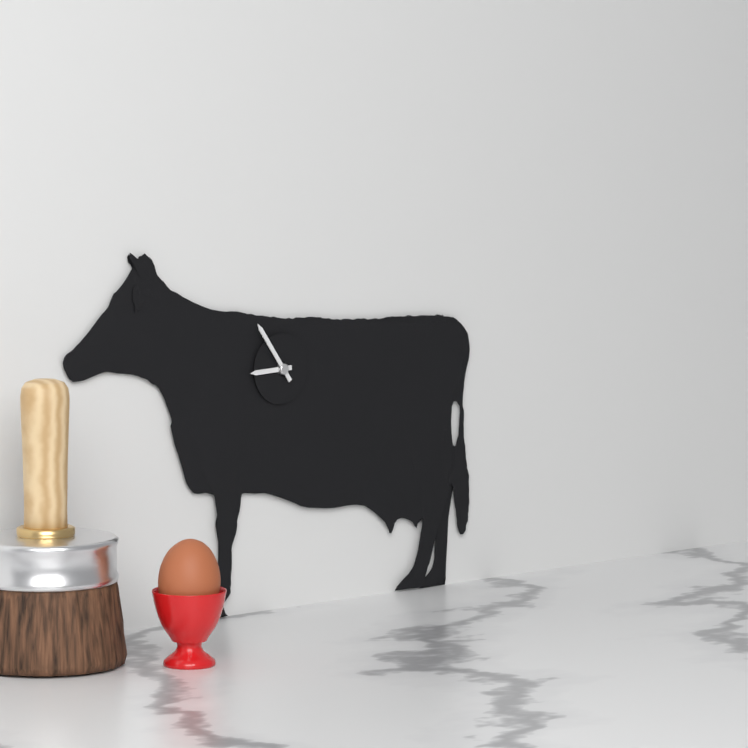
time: 8:54
